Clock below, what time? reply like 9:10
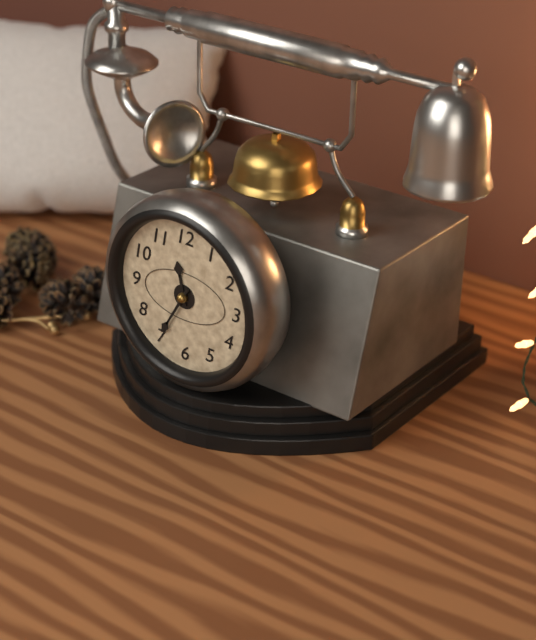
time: 11:35
